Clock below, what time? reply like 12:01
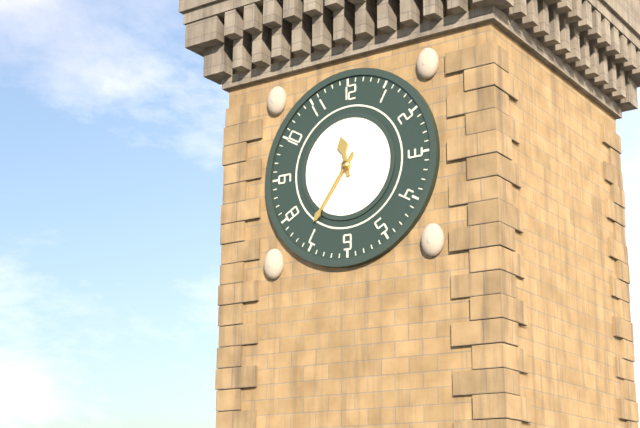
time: 11:36
